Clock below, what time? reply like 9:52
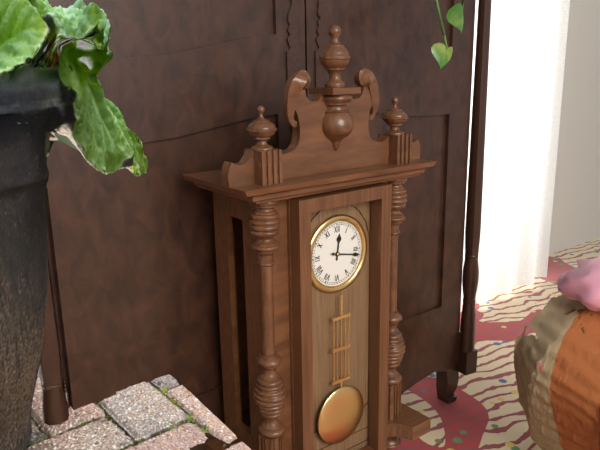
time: 12:17
